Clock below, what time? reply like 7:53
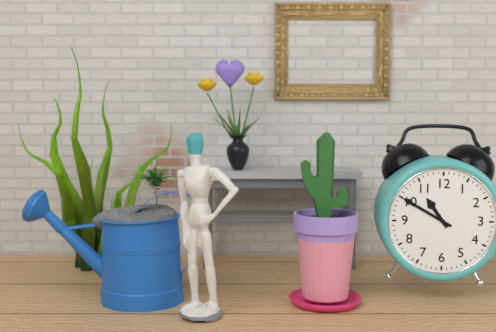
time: 10:50
